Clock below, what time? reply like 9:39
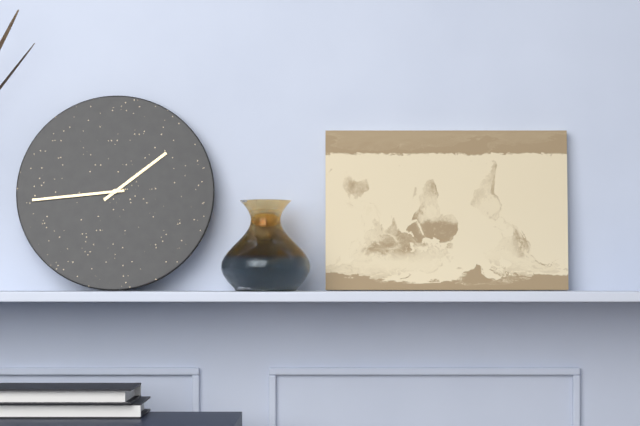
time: 1:44
